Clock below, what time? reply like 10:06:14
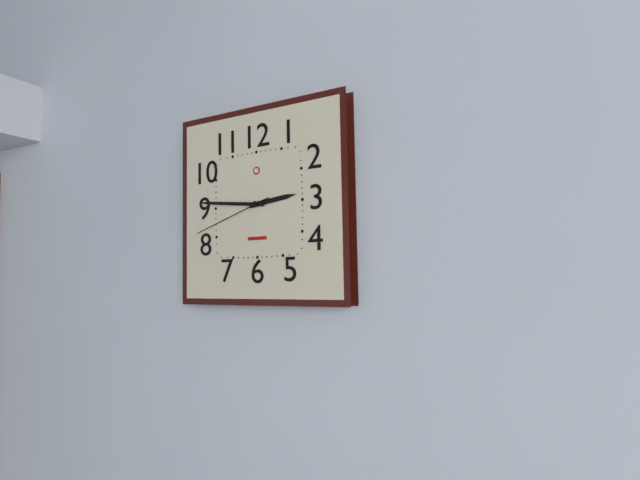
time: 2:46:42
